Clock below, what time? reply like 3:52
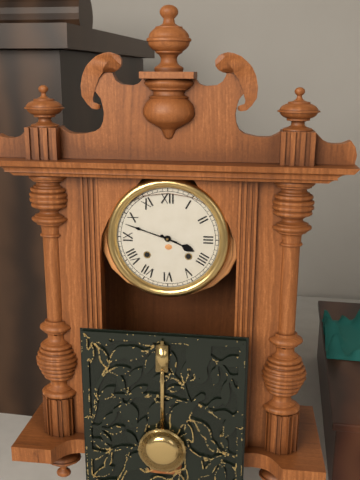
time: 3:48
